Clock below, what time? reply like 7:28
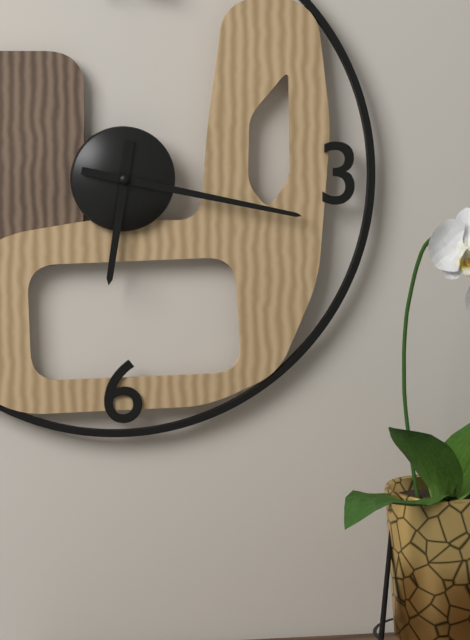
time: 6:17
